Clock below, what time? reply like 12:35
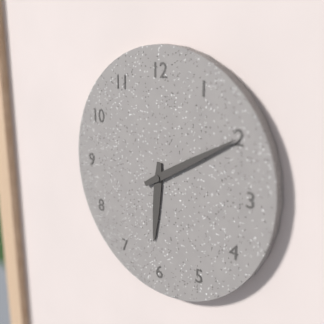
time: 6:10
